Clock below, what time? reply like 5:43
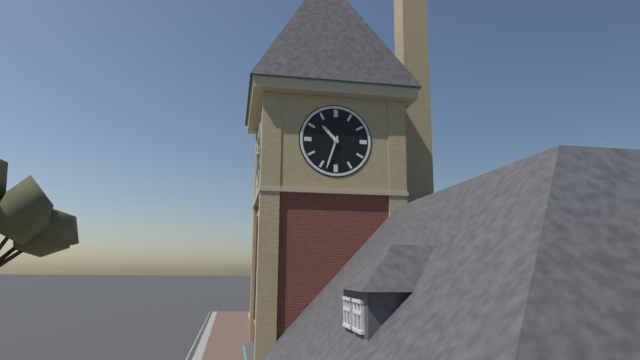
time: 10:33
